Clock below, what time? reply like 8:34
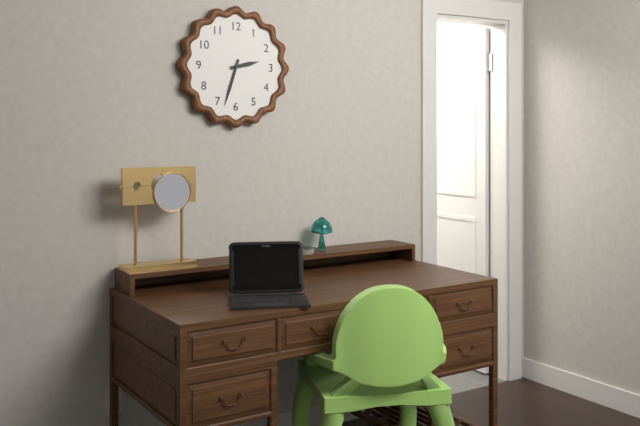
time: 2:33
